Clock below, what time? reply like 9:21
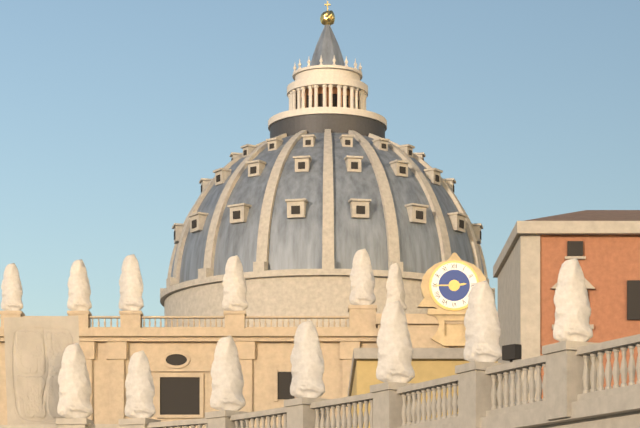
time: 2:45
